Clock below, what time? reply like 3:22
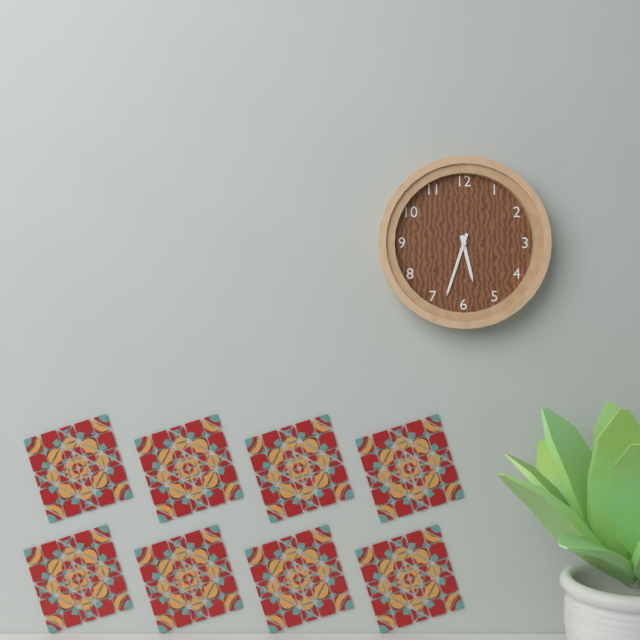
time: 5:33
